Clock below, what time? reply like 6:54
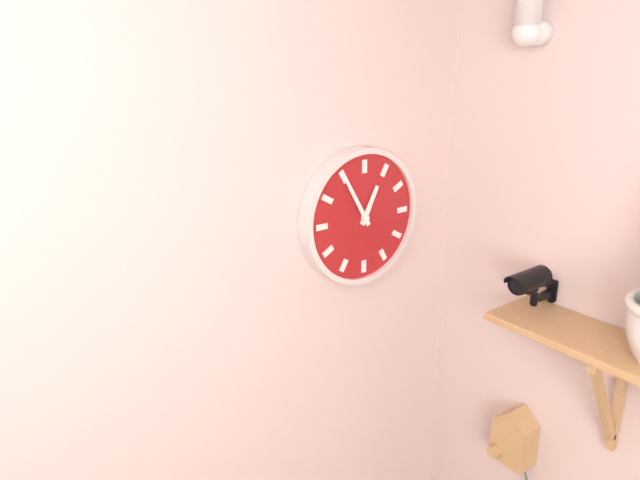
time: 12:55
